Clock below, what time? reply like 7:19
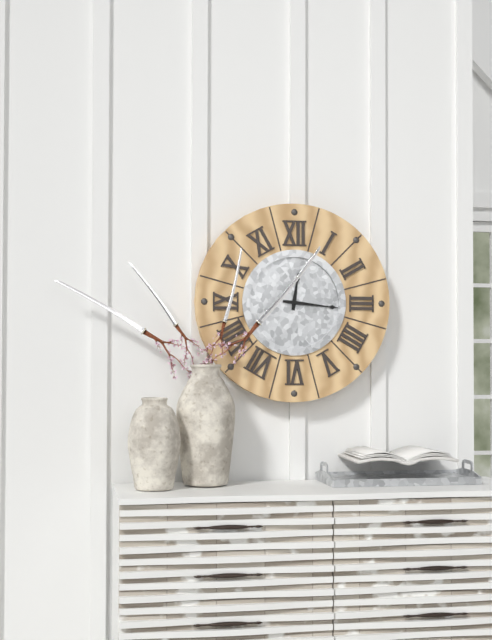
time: 12:16
